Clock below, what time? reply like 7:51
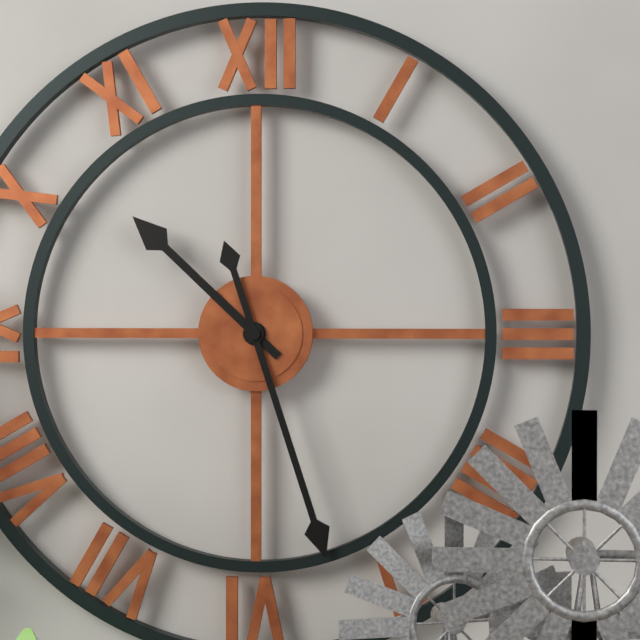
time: 10:27
